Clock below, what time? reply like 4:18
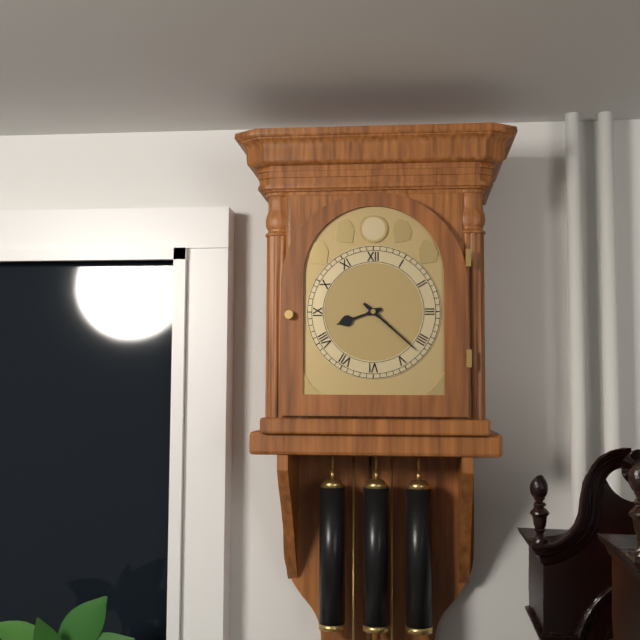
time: 8:22
